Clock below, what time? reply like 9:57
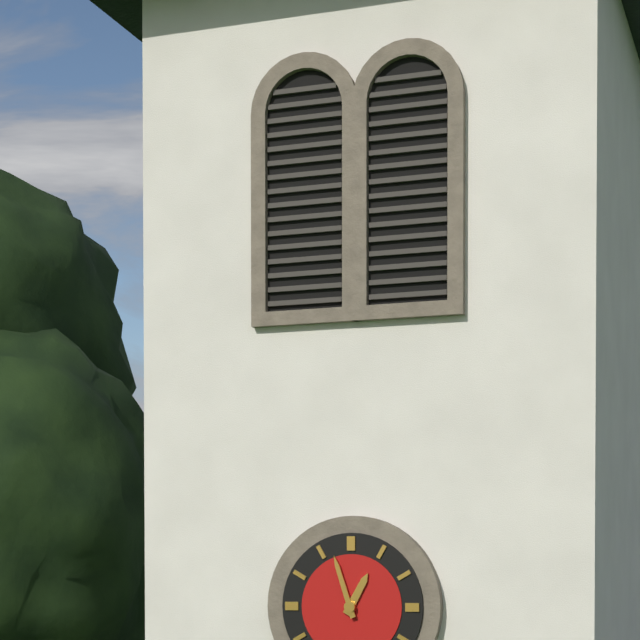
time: 12:57
